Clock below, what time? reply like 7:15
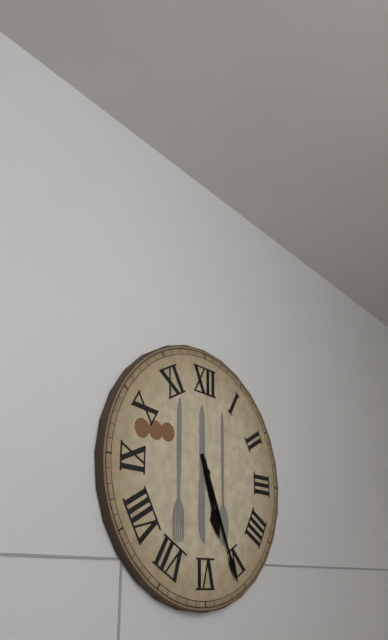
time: 5:26
